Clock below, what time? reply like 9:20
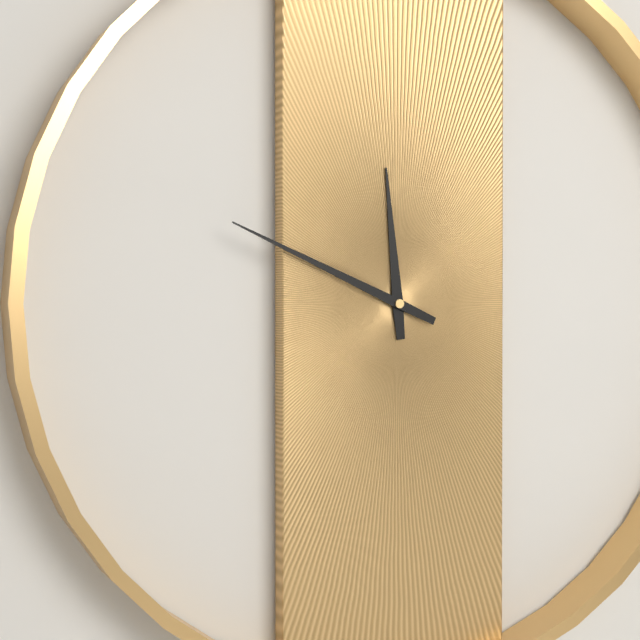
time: 11:49
